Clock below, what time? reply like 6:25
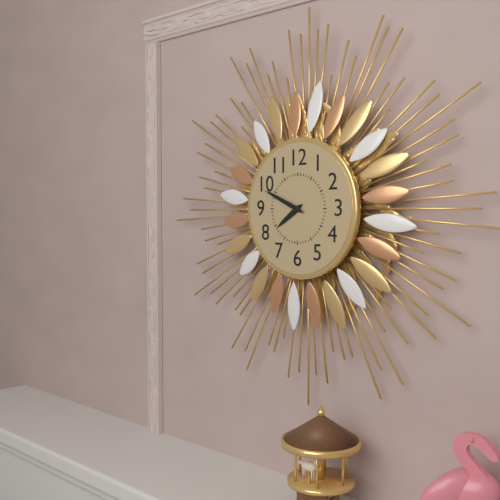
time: 7:49
